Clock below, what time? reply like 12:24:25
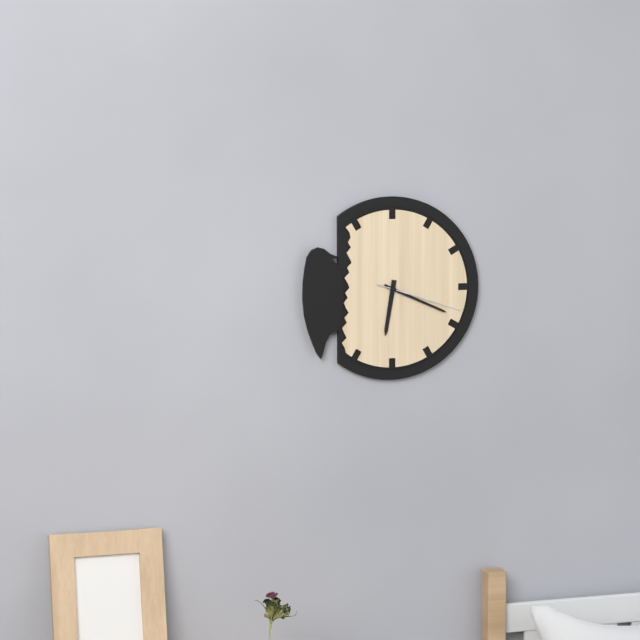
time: 6:19:18
